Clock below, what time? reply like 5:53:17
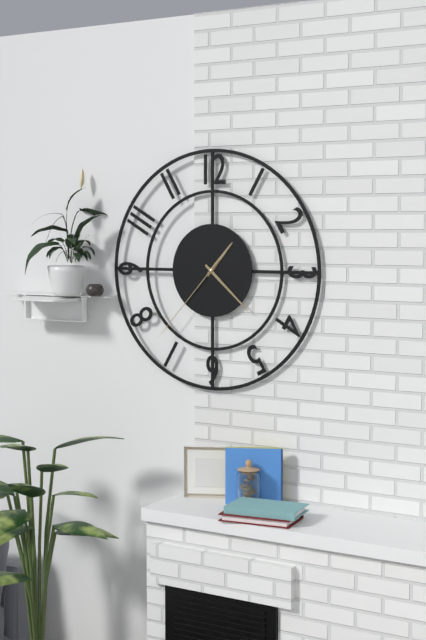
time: 1:22:37
